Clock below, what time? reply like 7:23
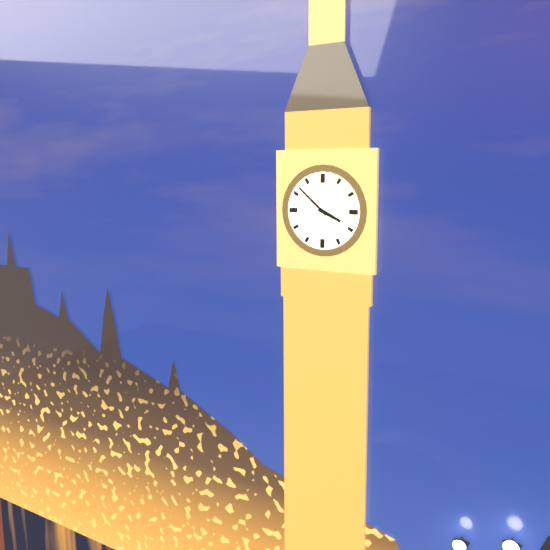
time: 3:52
